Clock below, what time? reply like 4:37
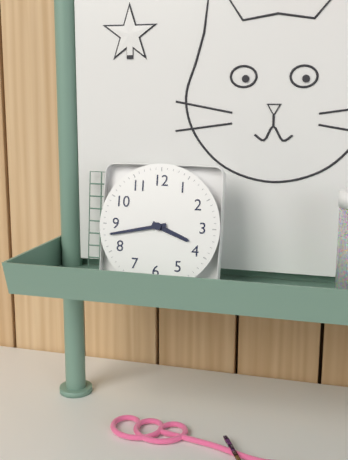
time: 3:43
